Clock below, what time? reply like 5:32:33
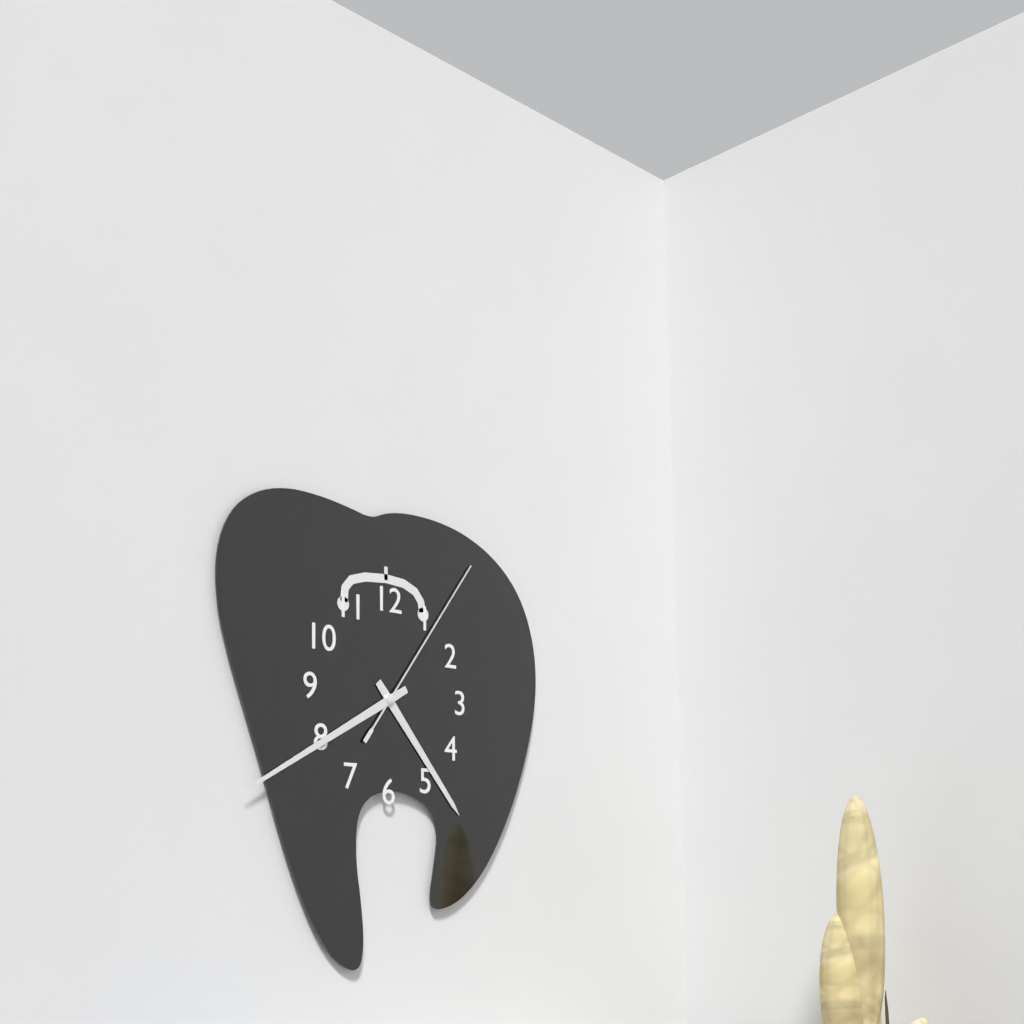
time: 4:40:06
